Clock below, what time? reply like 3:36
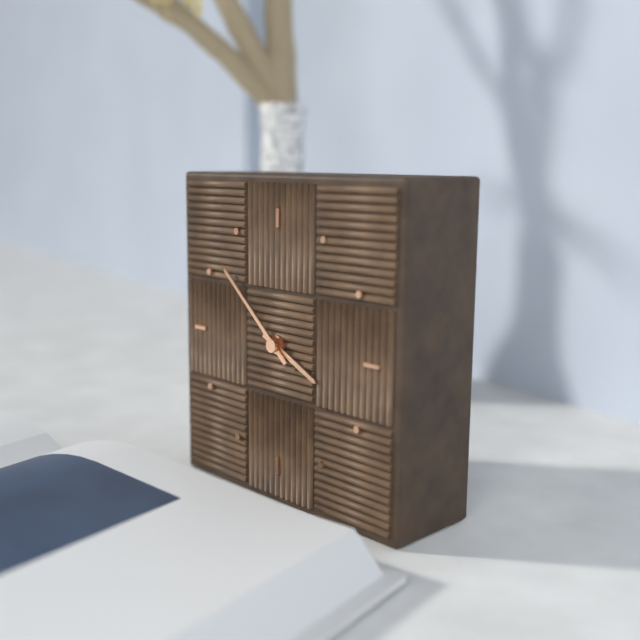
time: 3:52
